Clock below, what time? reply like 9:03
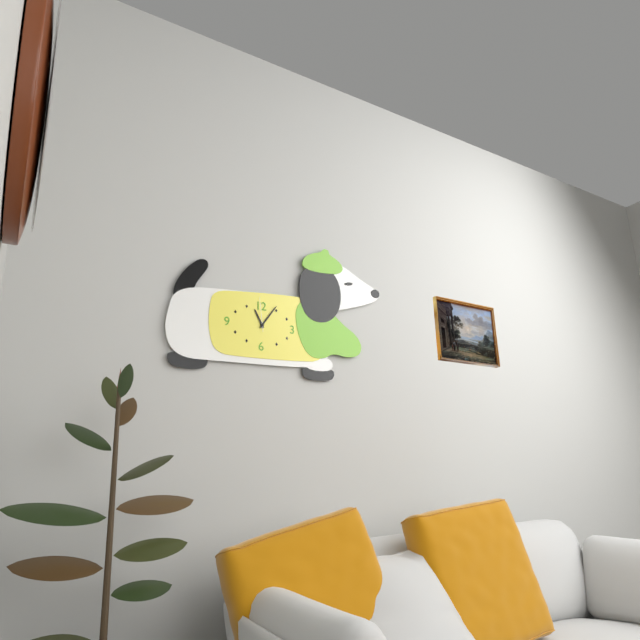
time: 11:06
